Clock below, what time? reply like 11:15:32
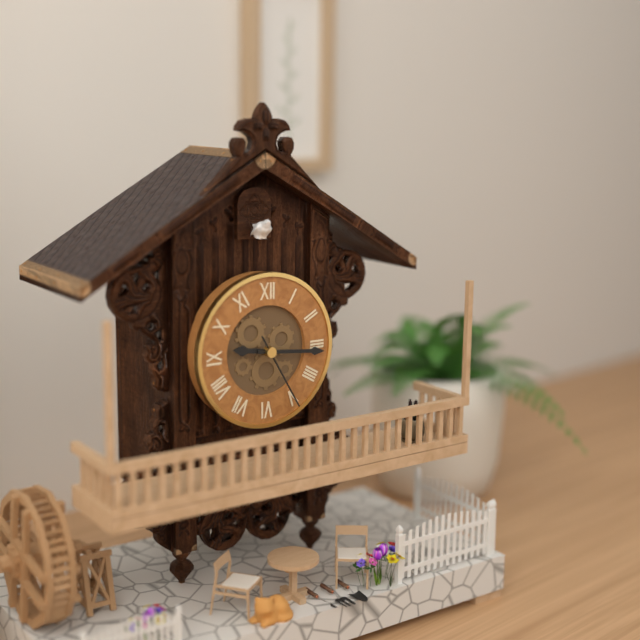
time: 9:16:25
